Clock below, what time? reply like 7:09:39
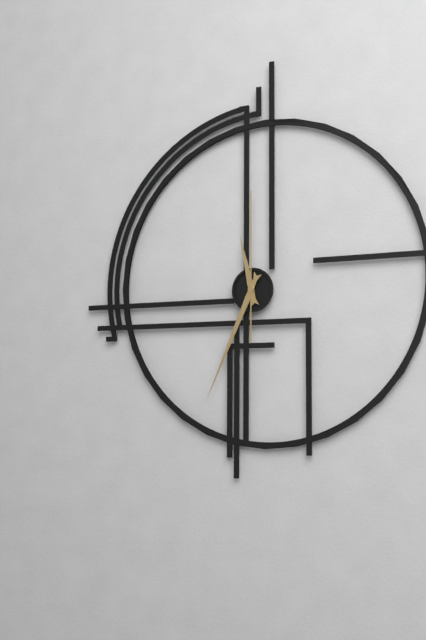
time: 11:34:00
